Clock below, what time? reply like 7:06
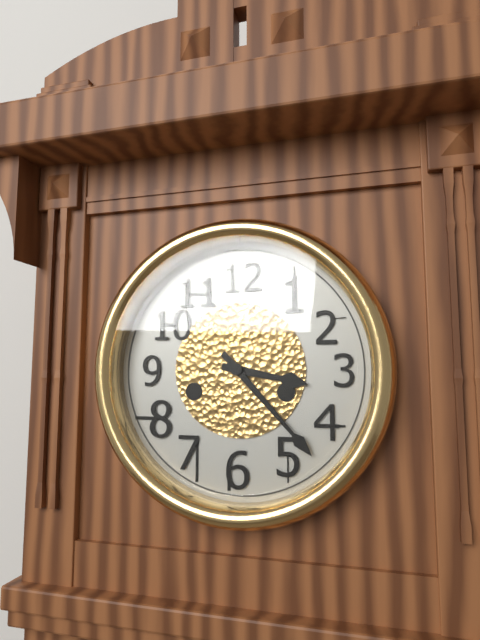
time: 3:23
